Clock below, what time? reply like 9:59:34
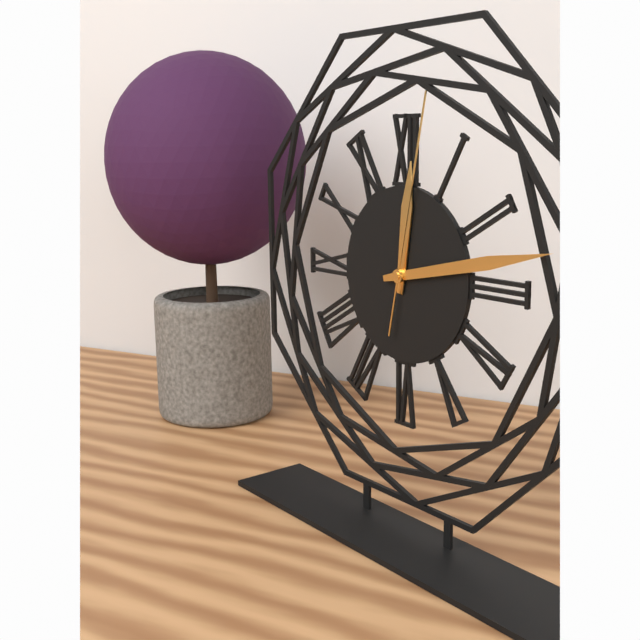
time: 12:13:02
